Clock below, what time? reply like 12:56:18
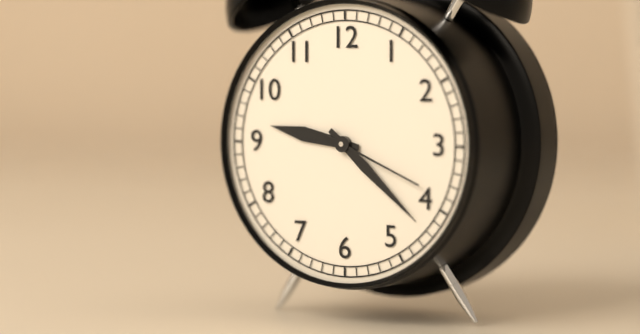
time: 9:22:19
